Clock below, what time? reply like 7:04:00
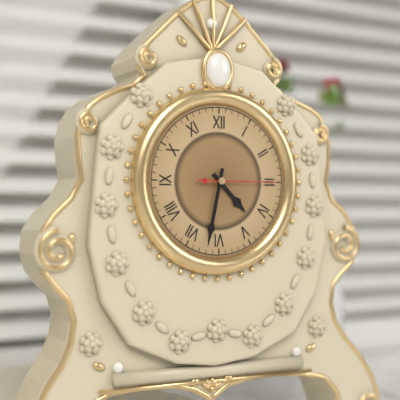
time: 4:32:15
